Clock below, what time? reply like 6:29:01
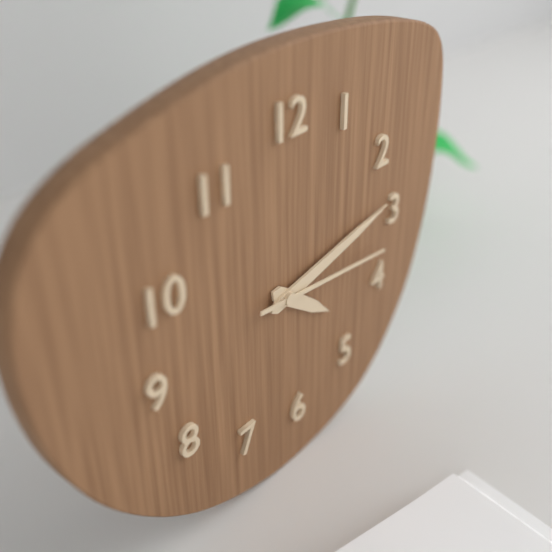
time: 4:13:16
